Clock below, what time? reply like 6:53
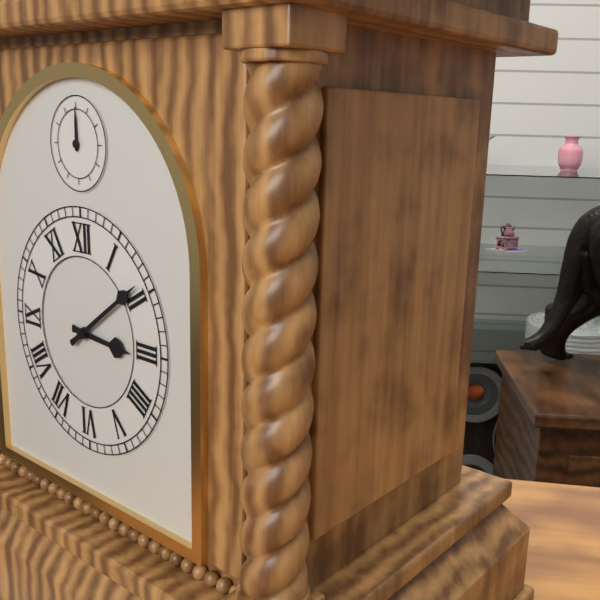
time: 3:09
